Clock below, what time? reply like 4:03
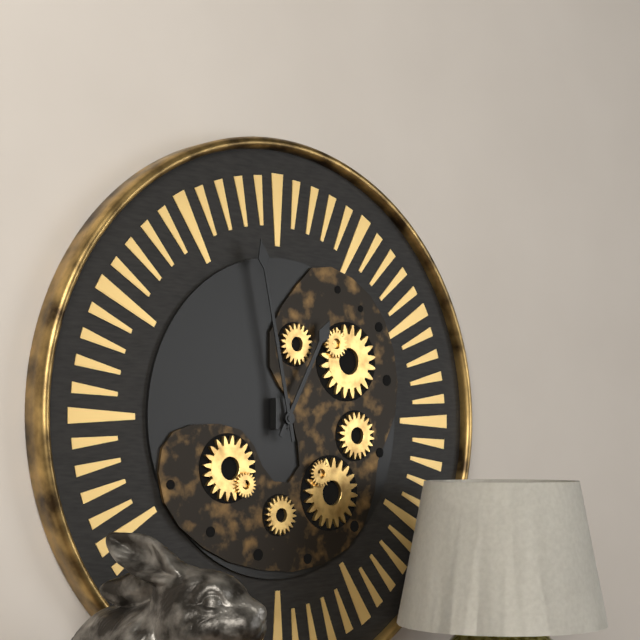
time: 12:58
